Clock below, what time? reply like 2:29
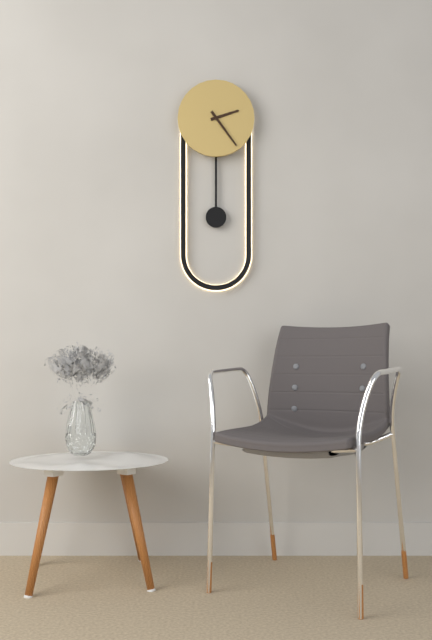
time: 2:24
